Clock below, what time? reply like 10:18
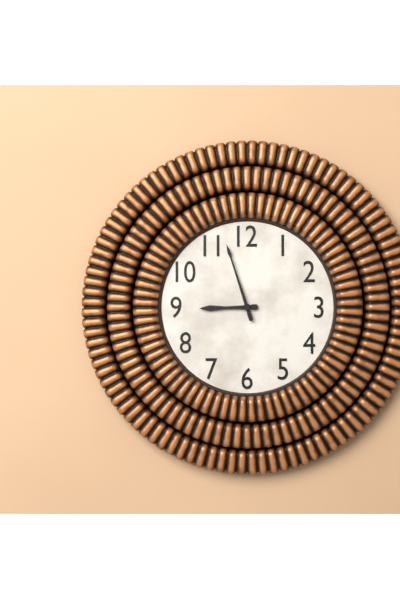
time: 8:57
